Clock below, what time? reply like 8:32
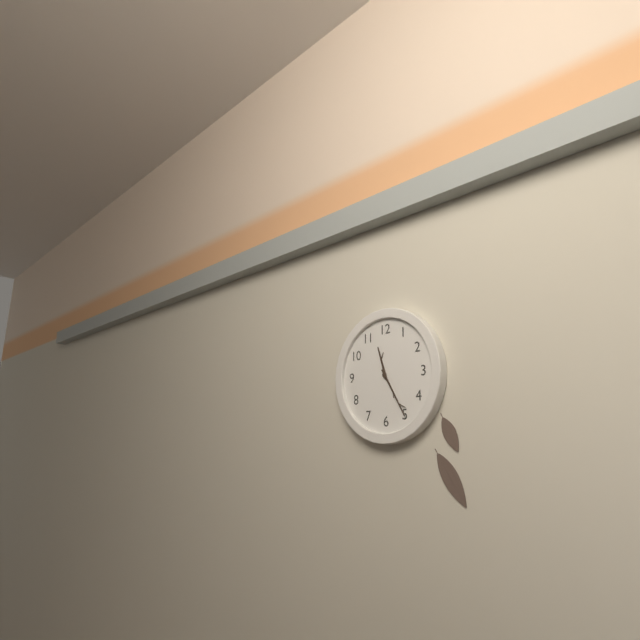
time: 11:25
